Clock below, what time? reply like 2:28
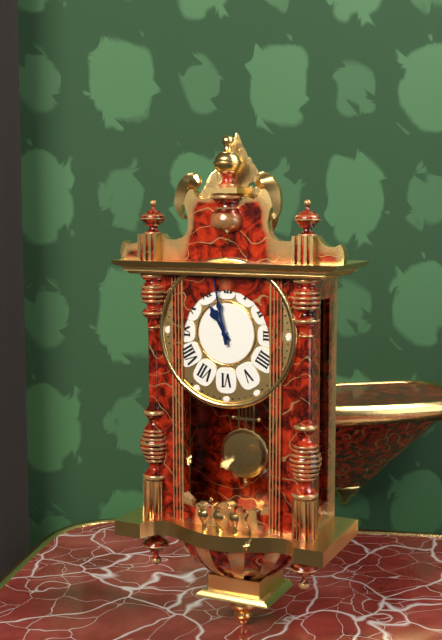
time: 10:58
